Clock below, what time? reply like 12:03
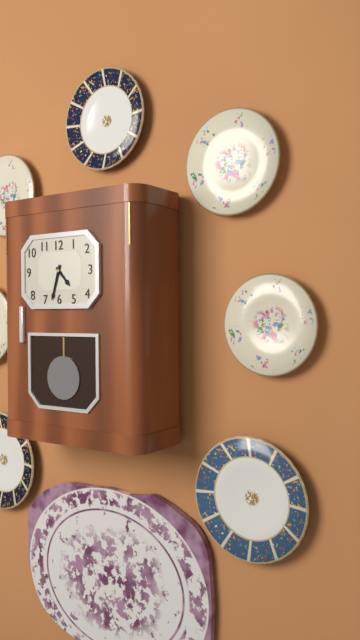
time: 4:33
